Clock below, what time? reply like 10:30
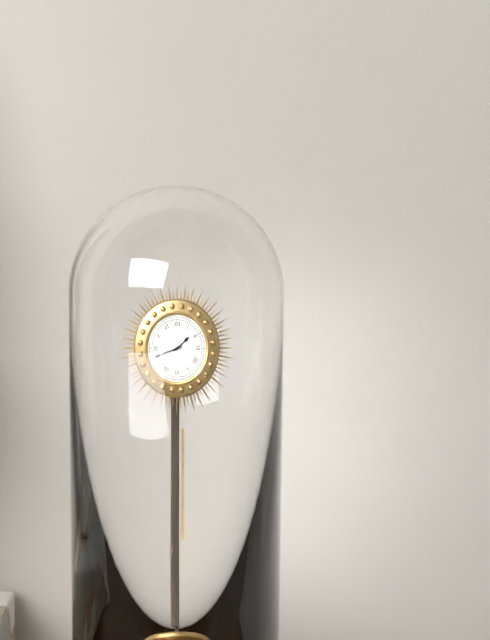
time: 1:42
